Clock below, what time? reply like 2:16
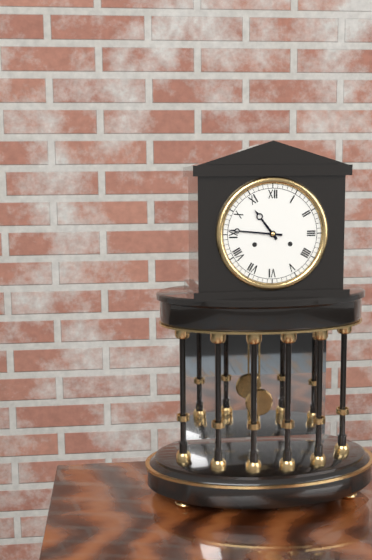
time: 10:46
